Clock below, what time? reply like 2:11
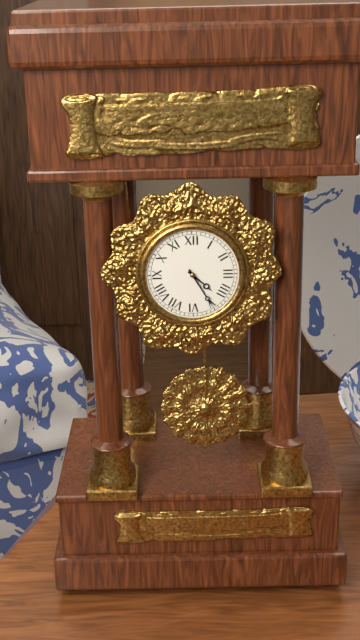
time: 4:25
